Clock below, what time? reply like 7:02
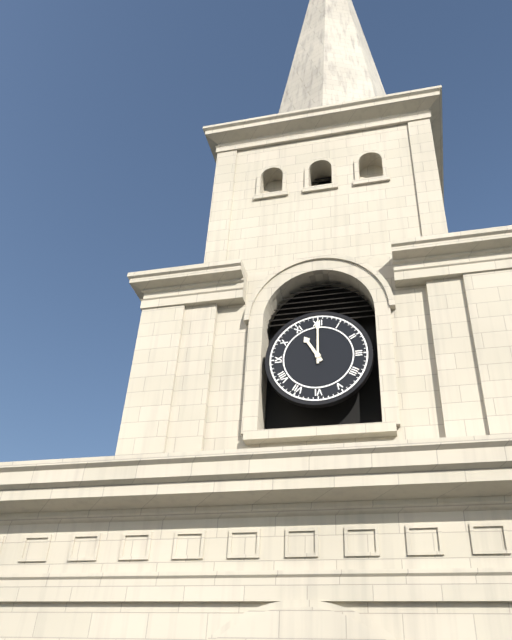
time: 11:00
